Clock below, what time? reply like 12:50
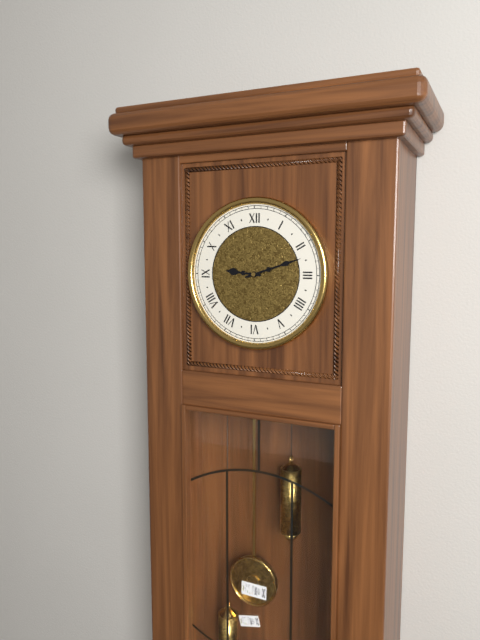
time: 9:12
